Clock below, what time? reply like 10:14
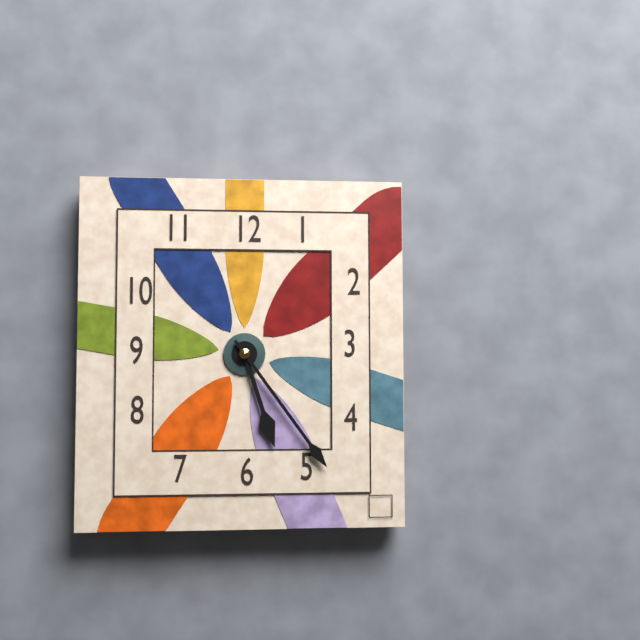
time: 5:24
